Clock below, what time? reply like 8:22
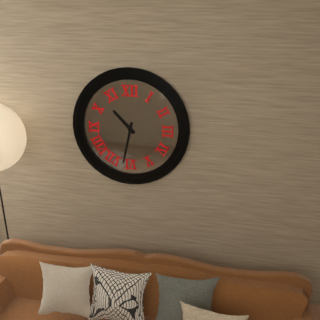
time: 10:32
